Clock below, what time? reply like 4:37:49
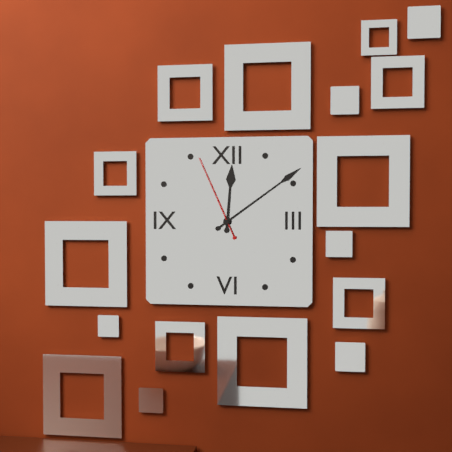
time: 12:09:56
